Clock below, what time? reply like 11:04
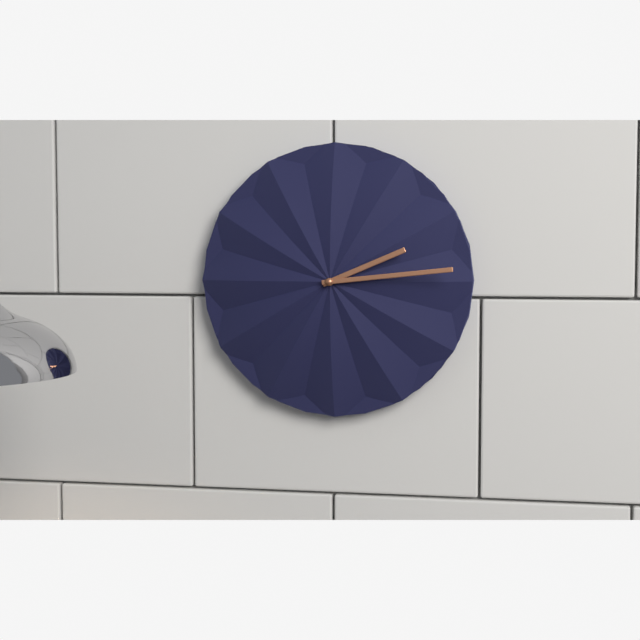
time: 2:14
